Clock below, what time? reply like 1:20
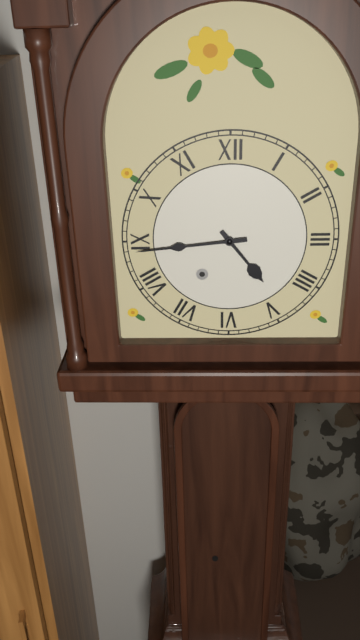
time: 4:44
